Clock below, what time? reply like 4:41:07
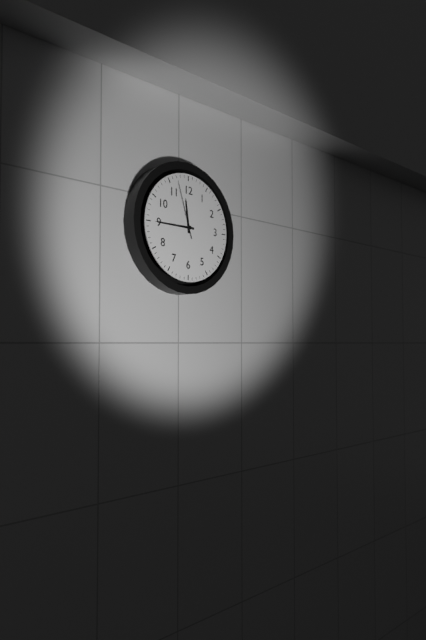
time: 11:45:57
